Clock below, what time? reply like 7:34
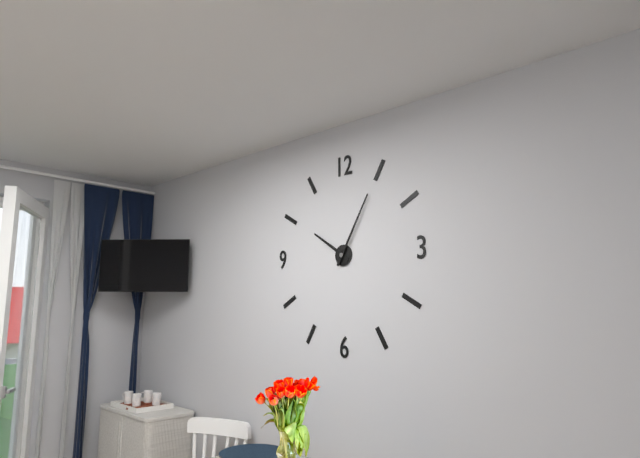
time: 10:05
